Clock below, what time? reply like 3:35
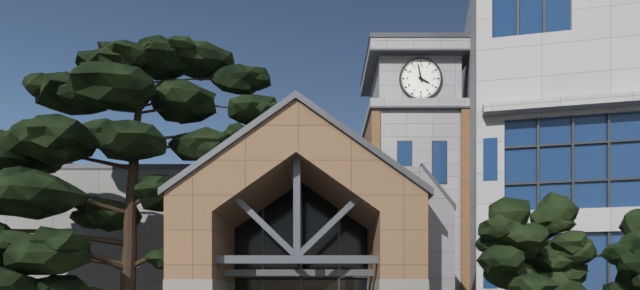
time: 3:58
